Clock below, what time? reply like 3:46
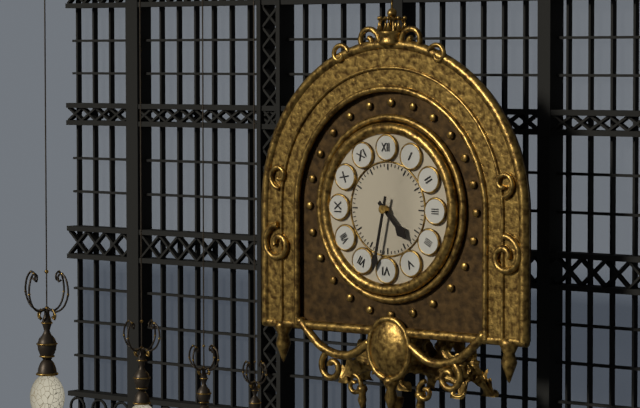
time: 4:32
